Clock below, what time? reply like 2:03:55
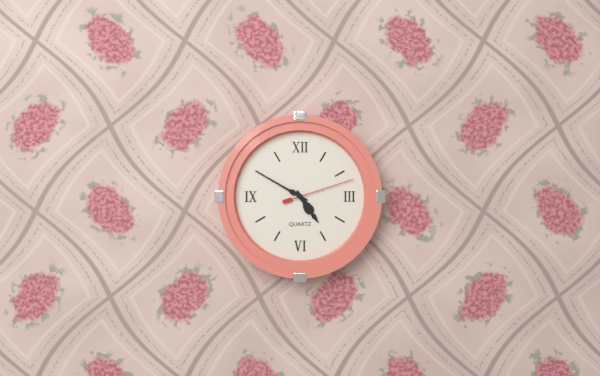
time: 4:50:12
